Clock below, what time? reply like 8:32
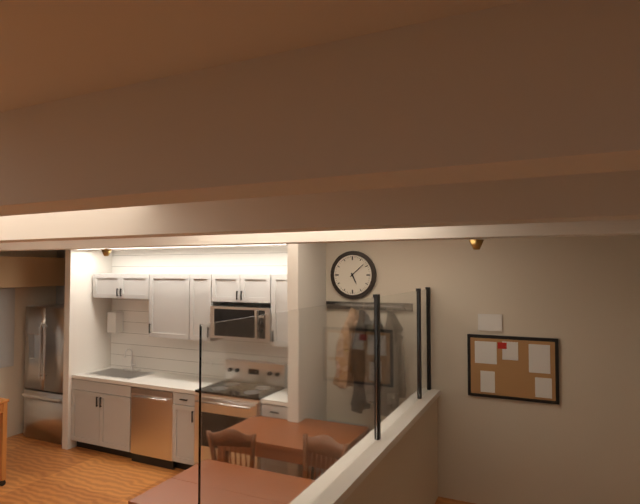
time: 5:08
